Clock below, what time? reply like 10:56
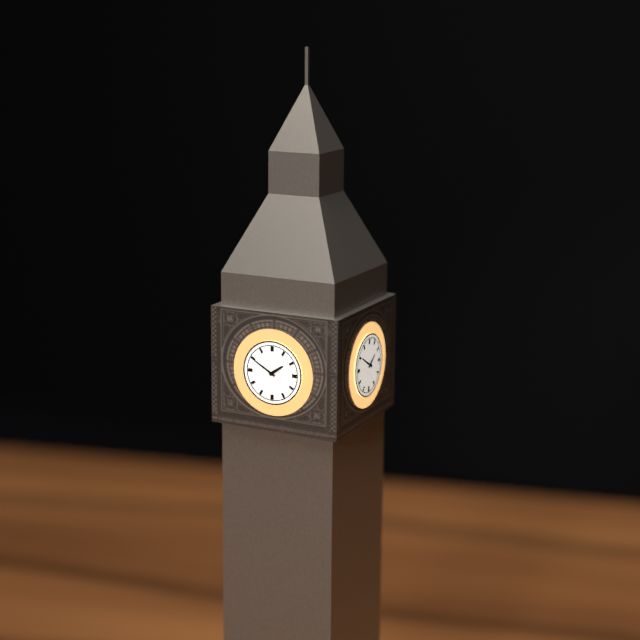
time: 1:50
